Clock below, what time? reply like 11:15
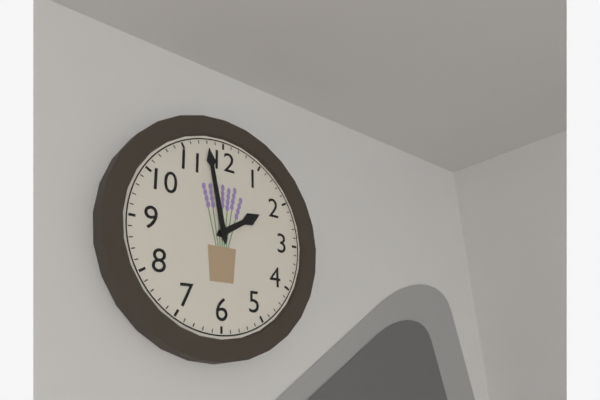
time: 1:58
